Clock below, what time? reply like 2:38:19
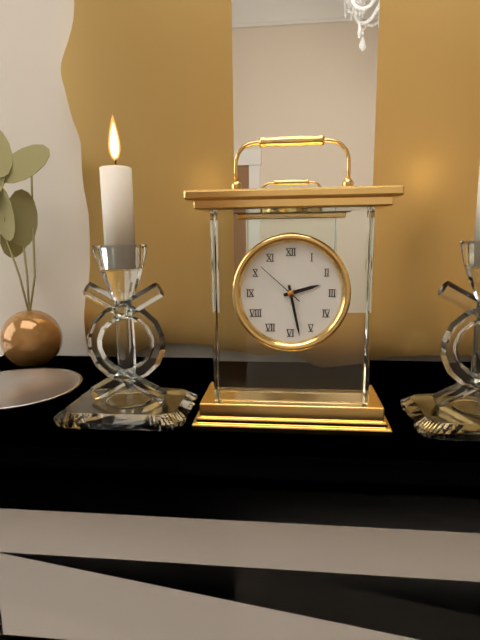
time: 2:28:52
